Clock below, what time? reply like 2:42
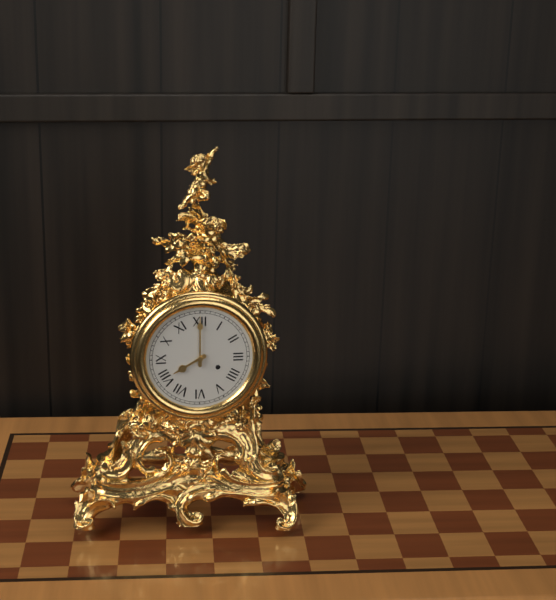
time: 8:00
